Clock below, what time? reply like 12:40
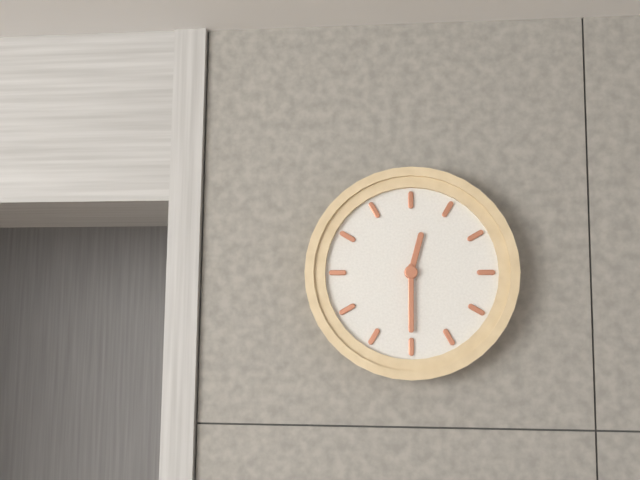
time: 12:30
